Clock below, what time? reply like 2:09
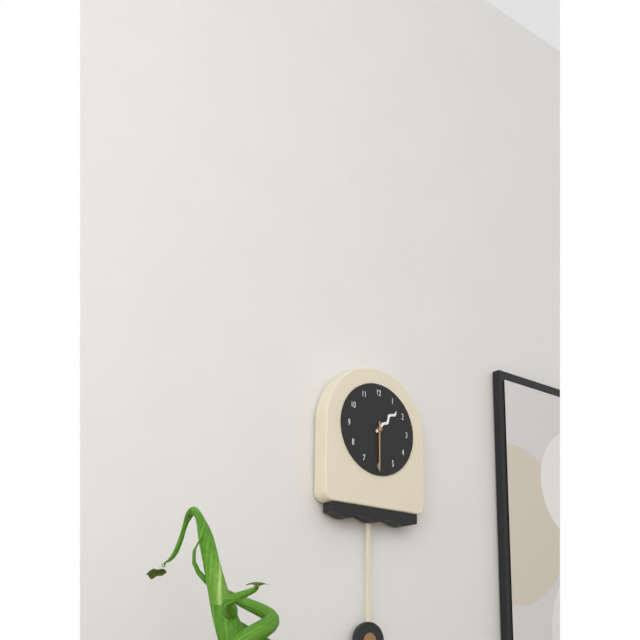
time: 1:30
